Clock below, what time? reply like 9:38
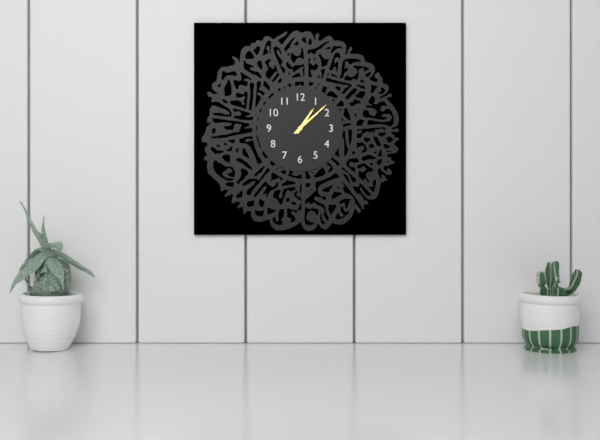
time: 1:08
